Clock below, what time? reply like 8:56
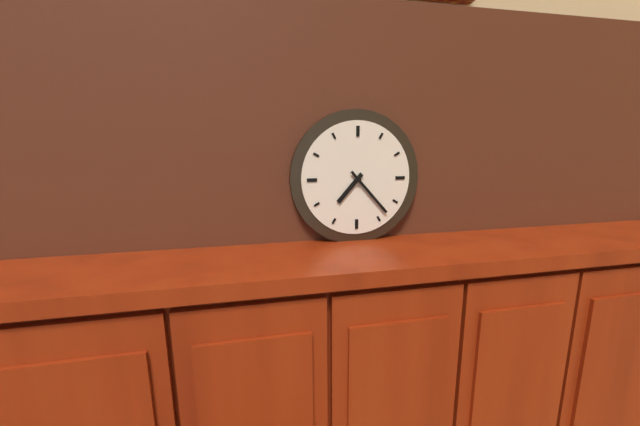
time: 7:23
